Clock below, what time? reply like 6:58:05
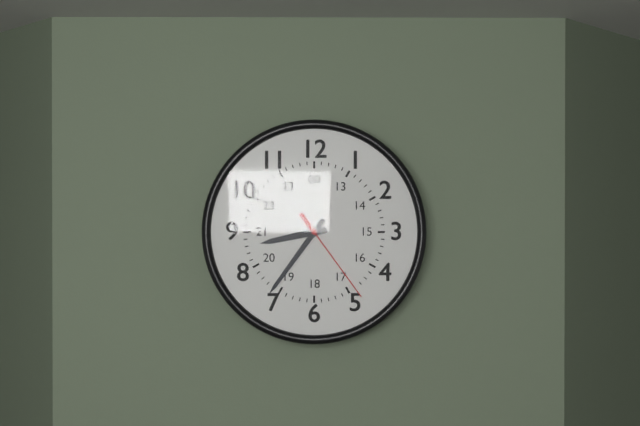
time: 8:36:24
